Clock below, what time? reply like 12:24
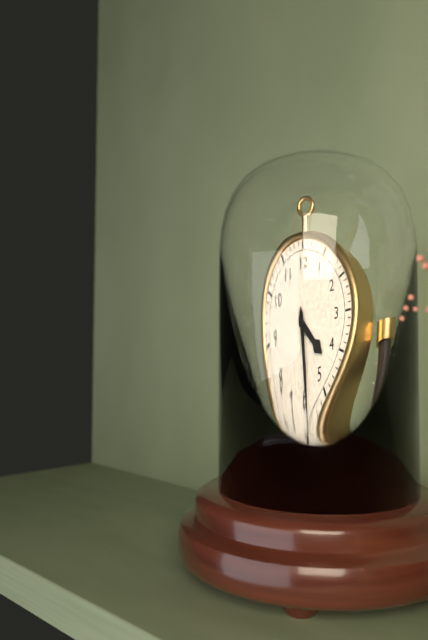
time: 4:29
